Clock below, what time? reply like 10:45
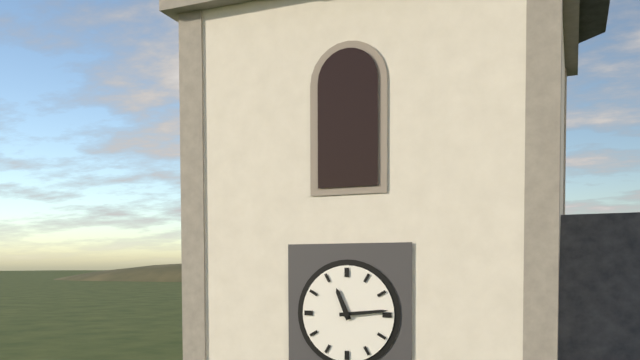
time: 11:14
